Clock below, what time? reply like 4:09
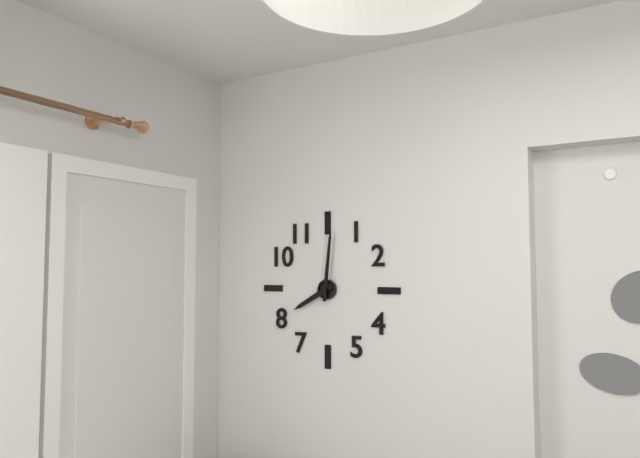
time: 8:01
